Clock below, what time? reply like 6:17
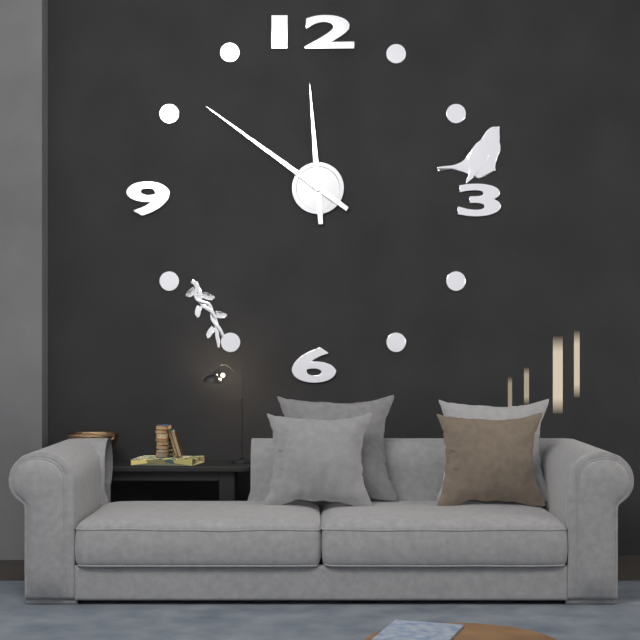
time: 11:51
